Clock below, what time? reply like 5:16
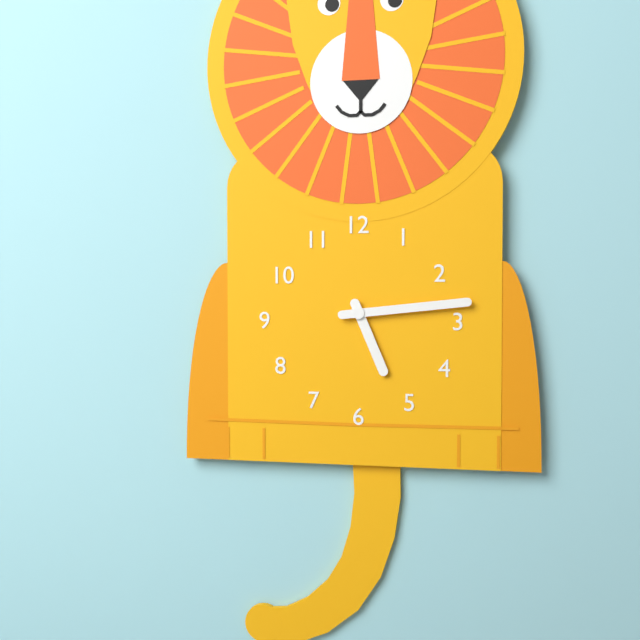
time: 5:14
